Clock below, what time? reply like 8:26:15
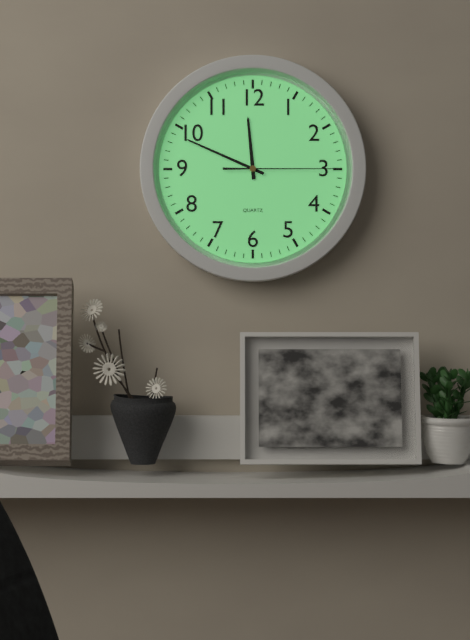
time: 11:49:15
